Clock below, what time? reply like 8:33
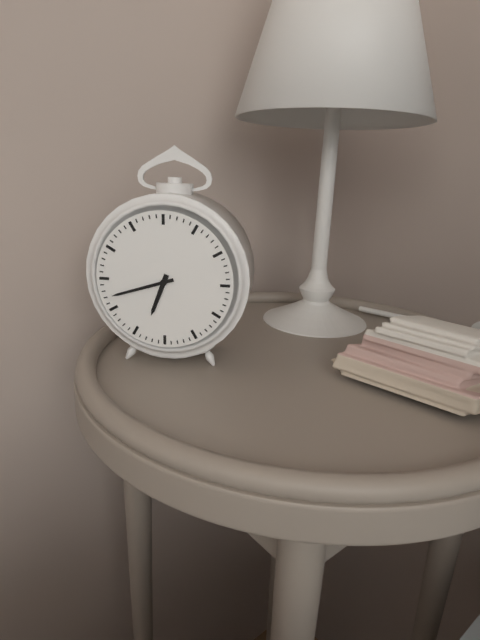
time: 6:42
